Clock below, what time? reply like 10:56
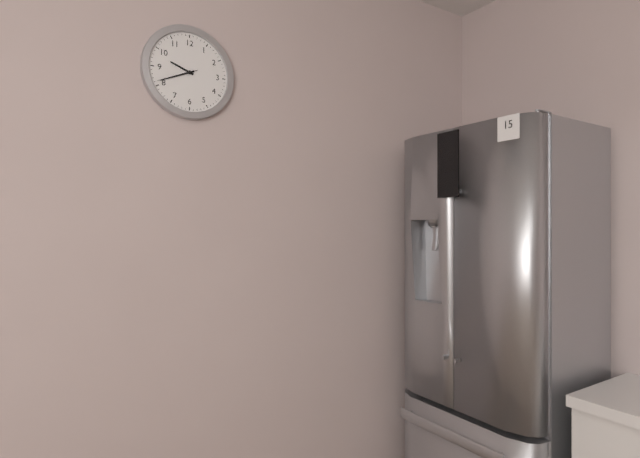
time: 9:41
